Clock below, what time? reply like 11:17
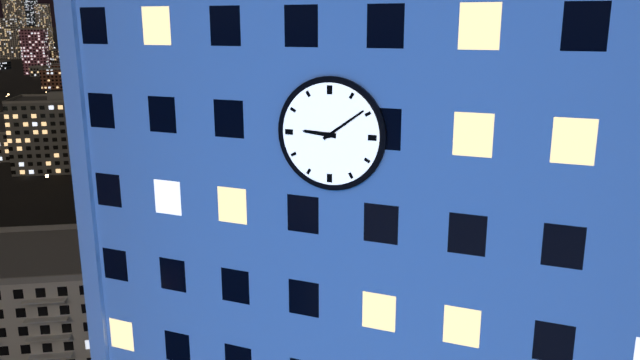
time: 9:09
